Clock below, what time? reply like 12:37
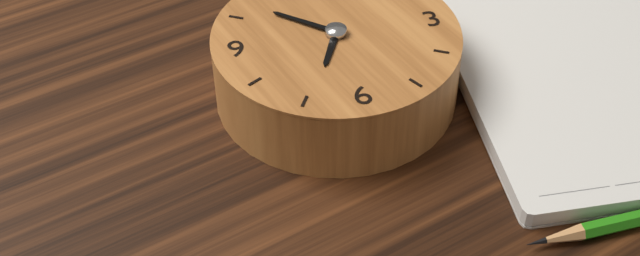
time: 6:52
